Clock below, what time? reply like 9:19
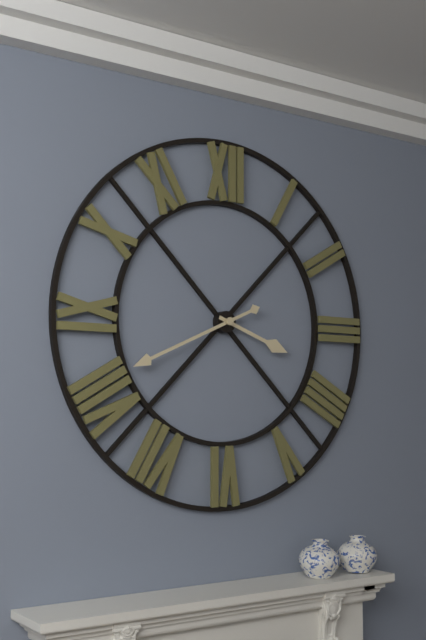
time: 3:41
